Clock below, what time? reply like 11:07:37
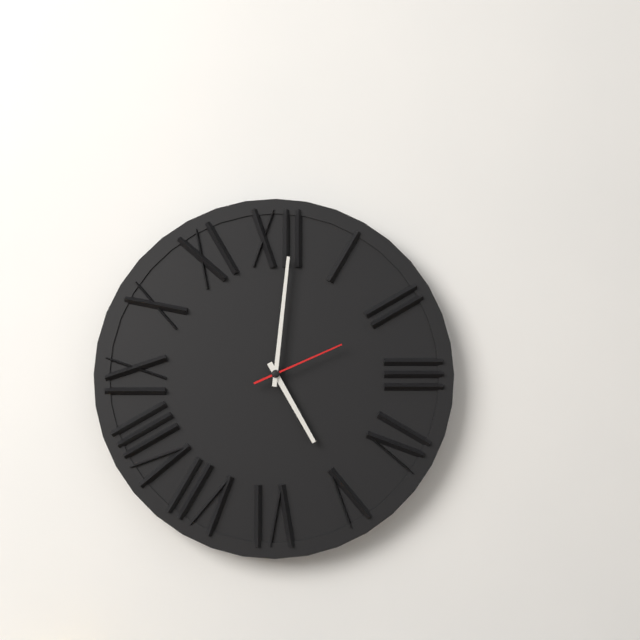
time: 5:01:11
